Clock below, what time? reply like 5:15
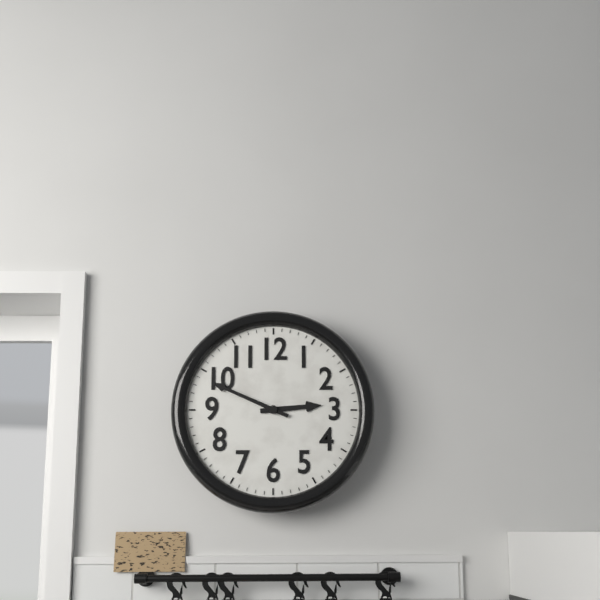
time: 2:49
